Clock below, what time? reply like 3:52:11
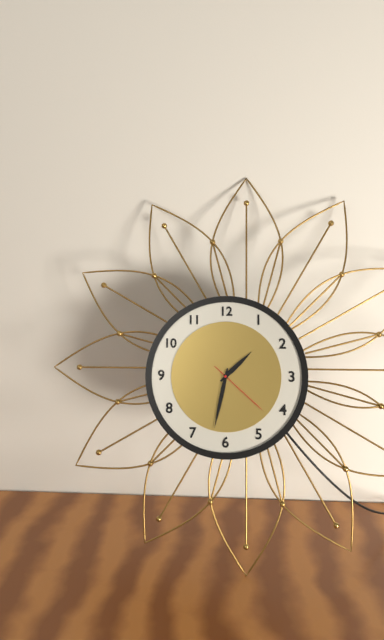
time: 1:32:22
